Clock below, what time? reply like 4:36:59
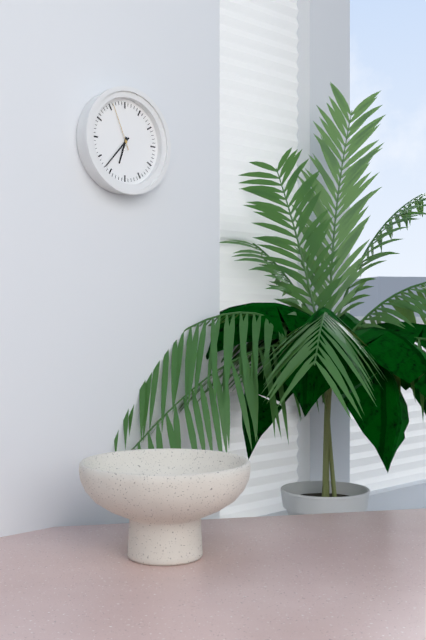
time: 6:37:56
